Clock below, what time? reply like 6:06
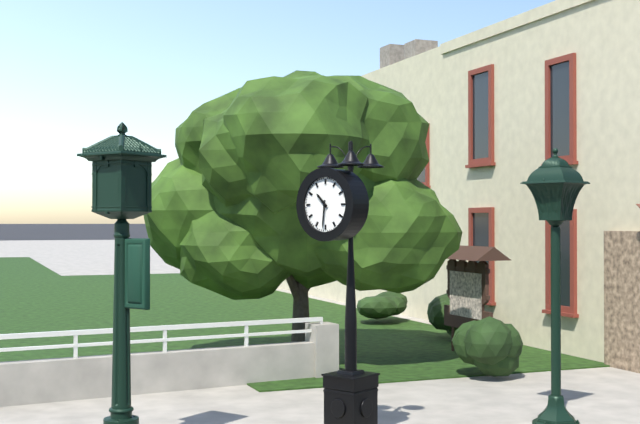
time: 10:31
